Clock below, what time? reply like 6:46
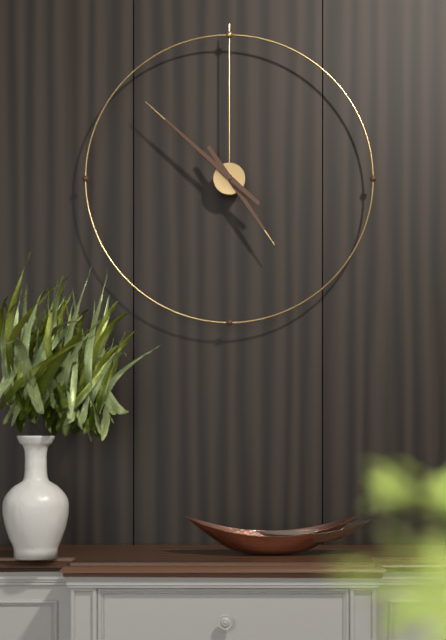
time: 4:52
